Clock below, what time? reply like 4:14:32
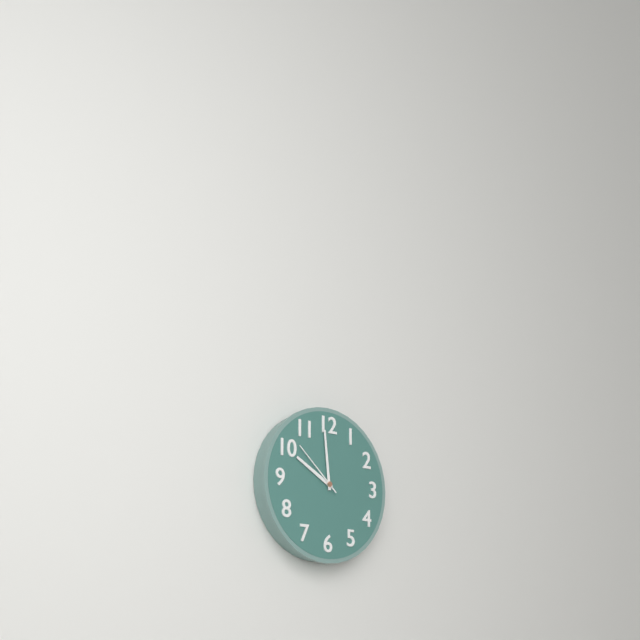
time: 9:59:52
